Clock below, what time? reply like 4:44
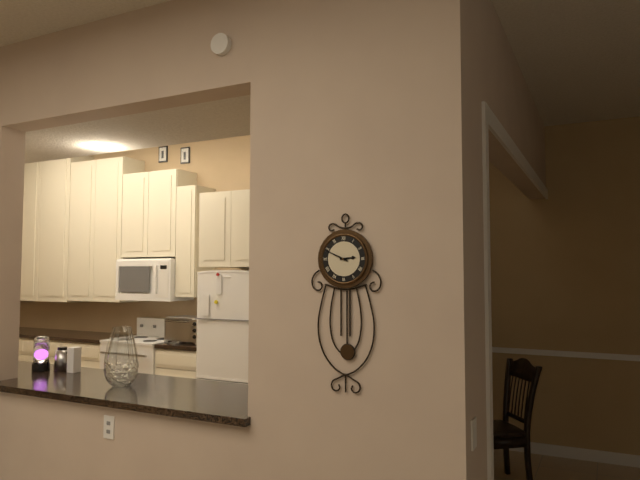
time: 2:49
